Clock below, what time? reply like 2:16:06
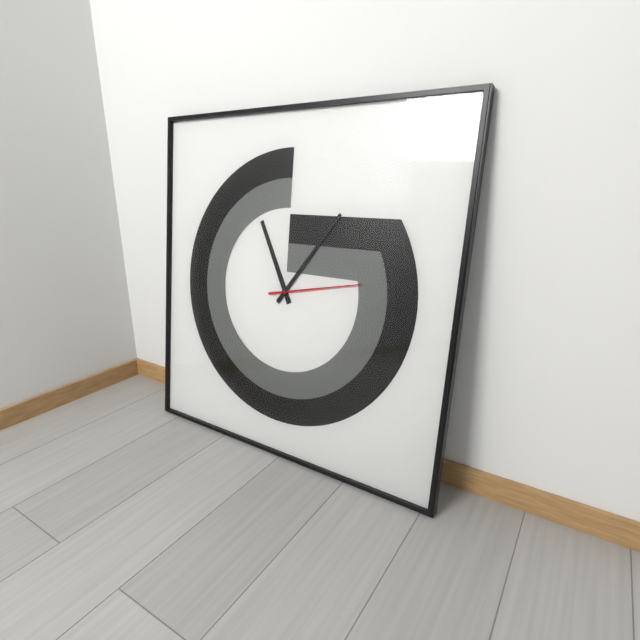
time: 11:06:13
